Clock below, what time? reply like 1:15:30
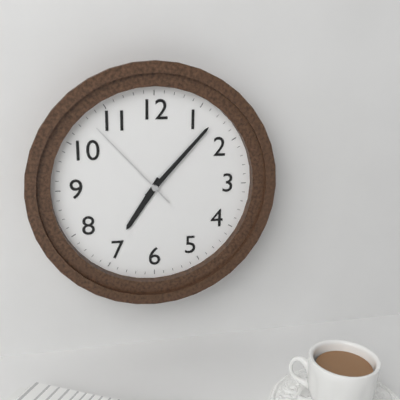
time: 7:07:53
